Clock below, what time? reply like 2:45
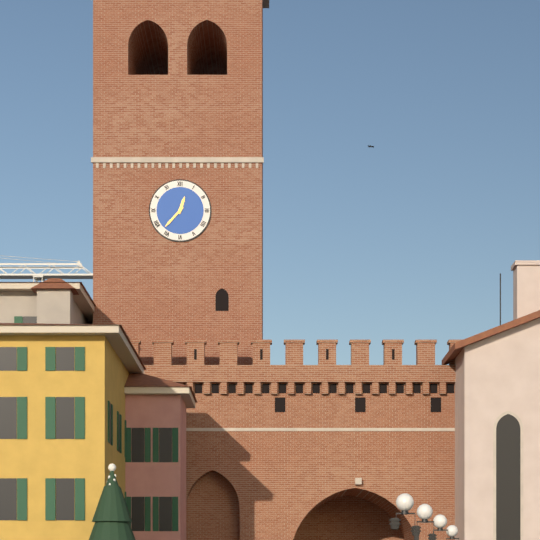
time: 12:37
